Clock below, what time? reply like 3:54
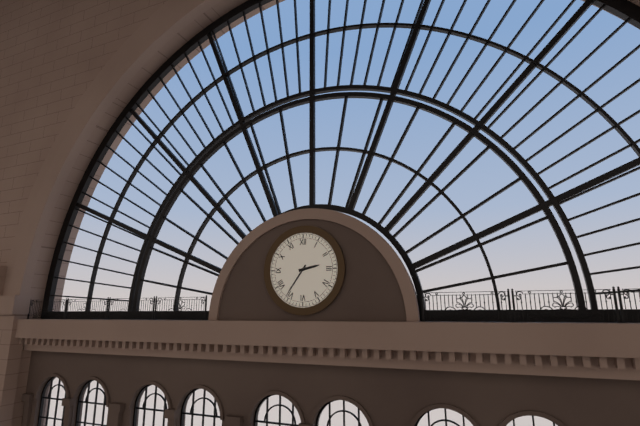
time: 2:36
